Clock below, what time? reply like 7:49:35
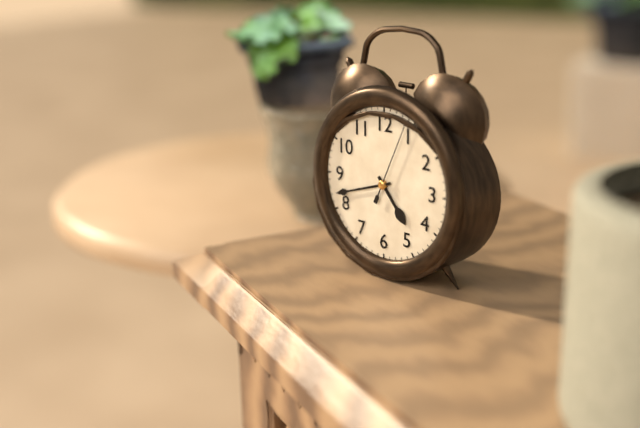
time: 4:42:04
